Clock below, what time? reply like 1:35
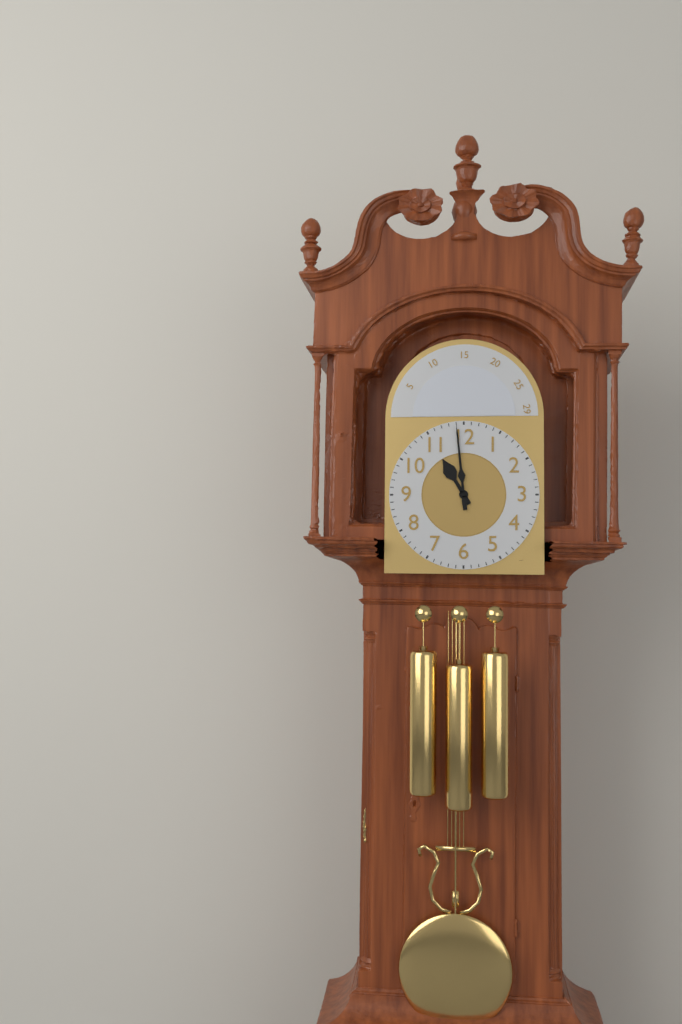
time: 10:59
